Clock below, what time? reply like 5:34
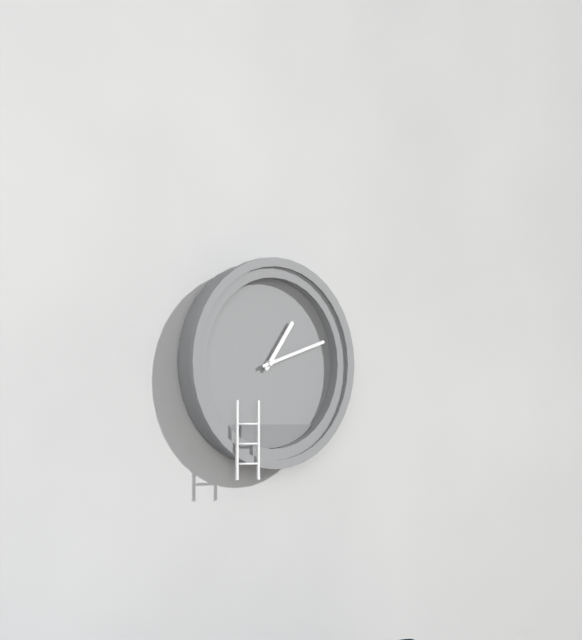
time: 1:12
